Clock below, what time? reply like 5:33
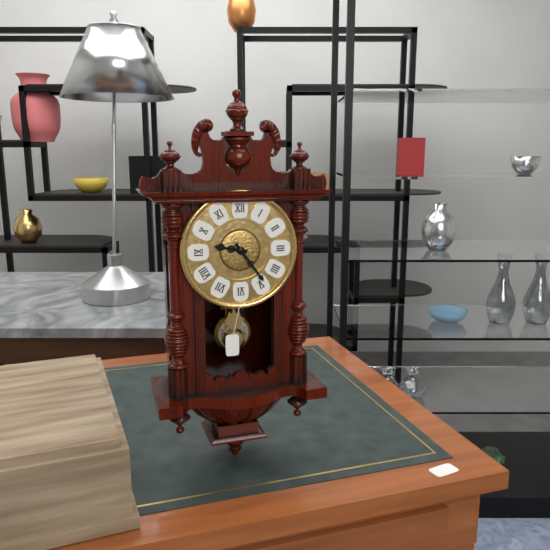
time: 9:24
